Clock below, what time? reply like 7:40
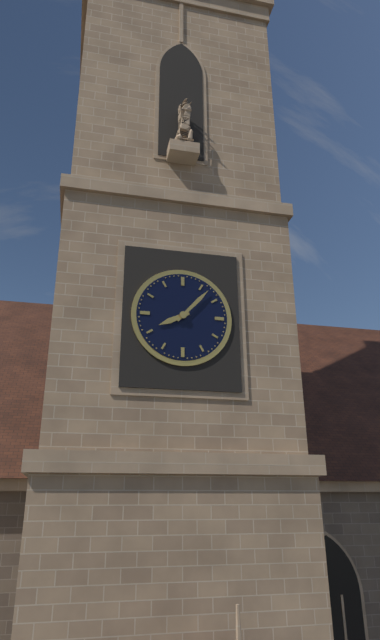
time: 8:07
